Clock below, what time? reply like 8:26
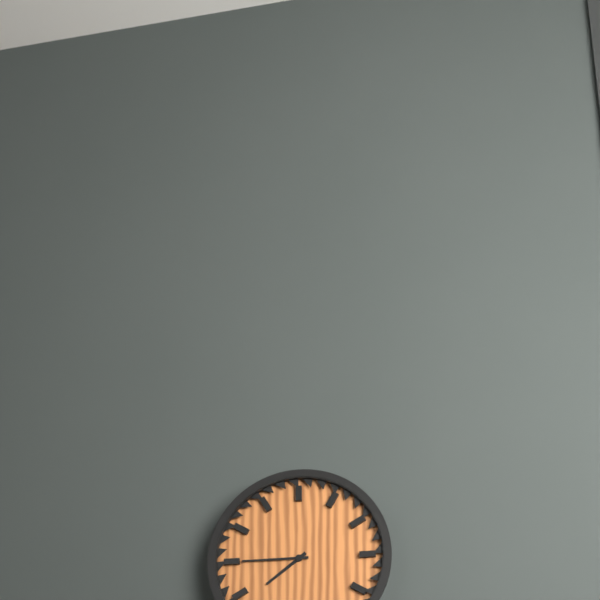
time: 7:45
